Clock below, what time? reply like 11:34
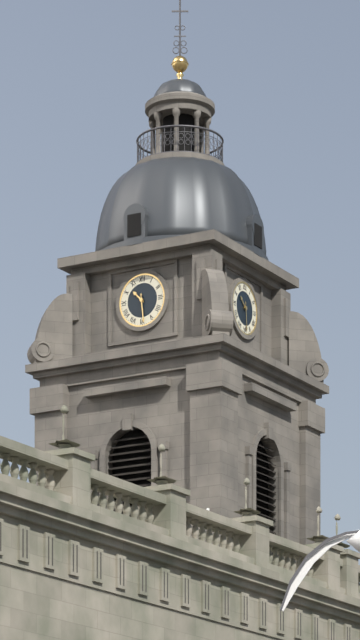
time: 10:29
